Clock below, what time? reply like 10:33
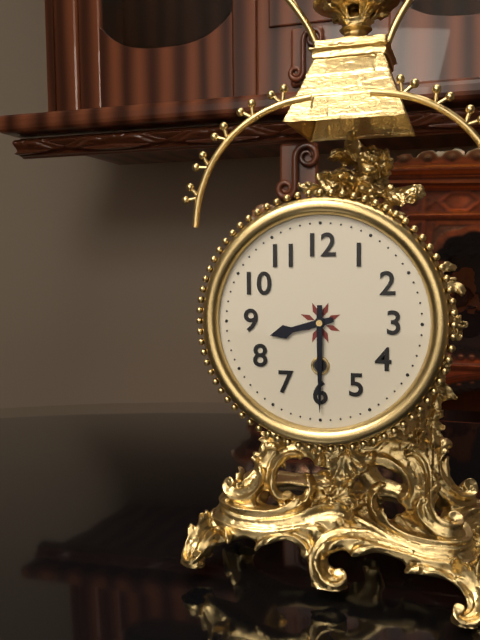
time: 8:30
